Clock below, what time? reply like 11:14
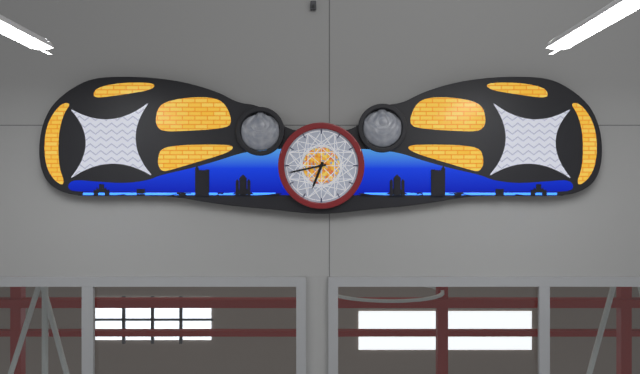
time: 6:43
